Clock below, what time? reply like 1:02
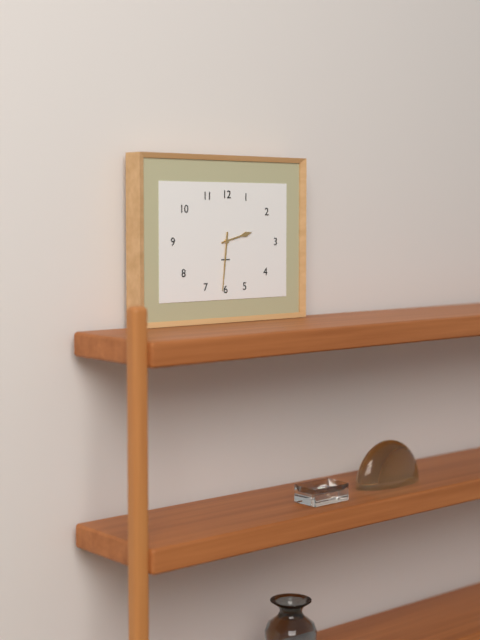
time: 2:31
